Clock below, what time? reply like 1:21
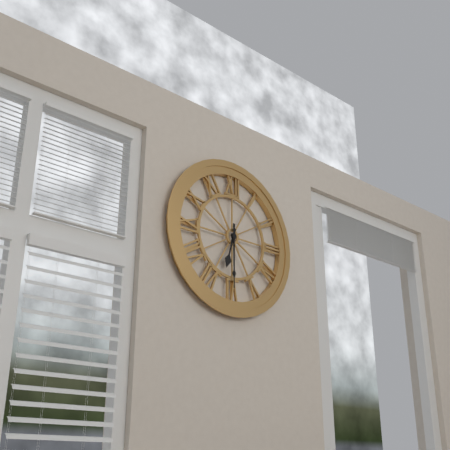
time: 6:30
